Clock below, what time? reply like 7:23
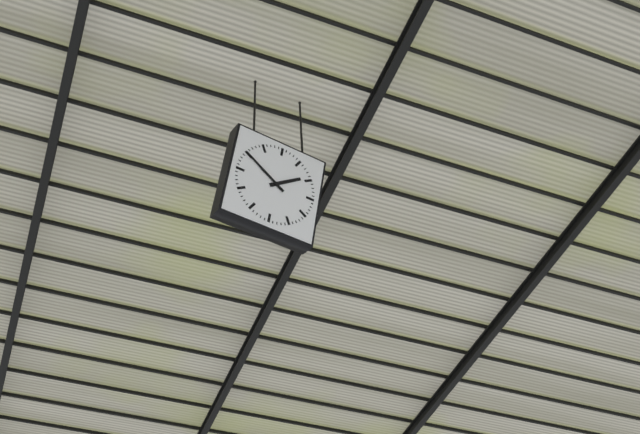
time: 1:50
